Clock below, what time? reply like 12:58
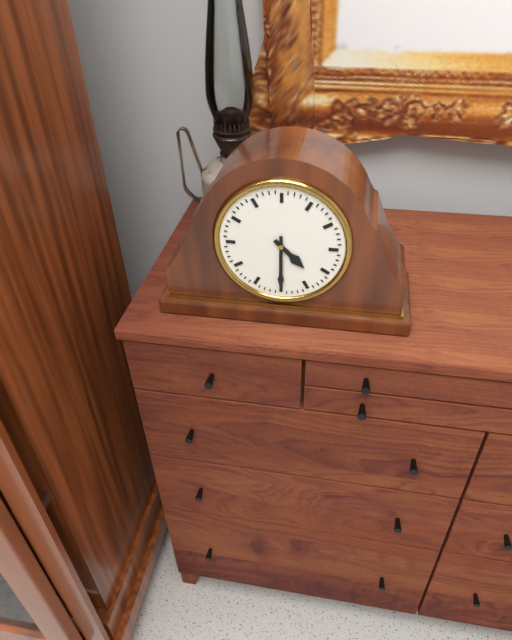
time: 4:30
